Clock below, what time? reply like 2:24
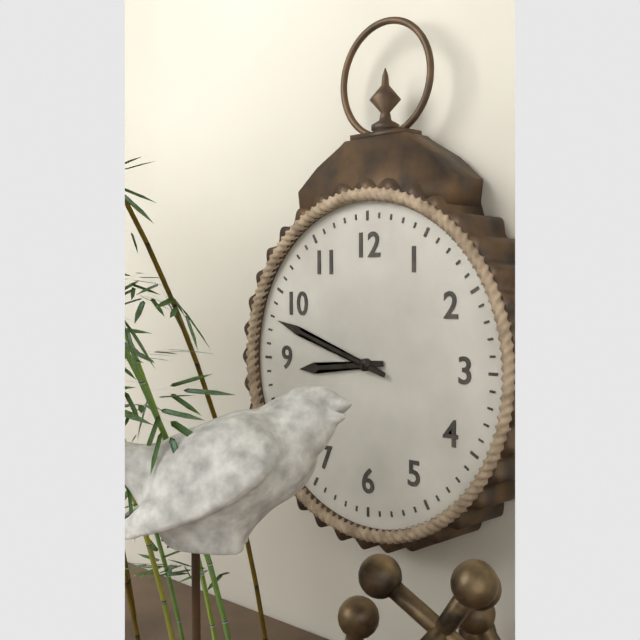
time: 8:48
